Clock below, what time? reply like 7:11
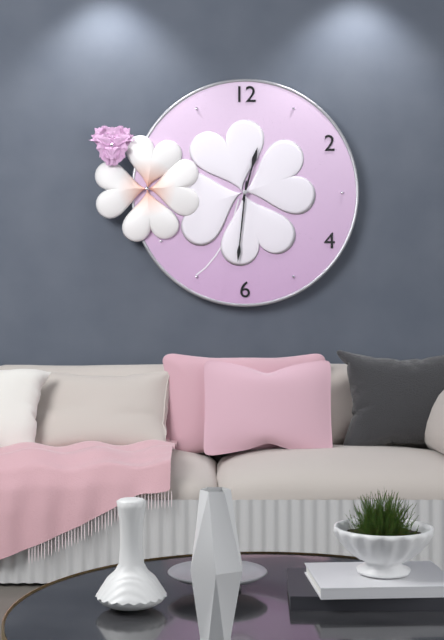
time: 12:31
